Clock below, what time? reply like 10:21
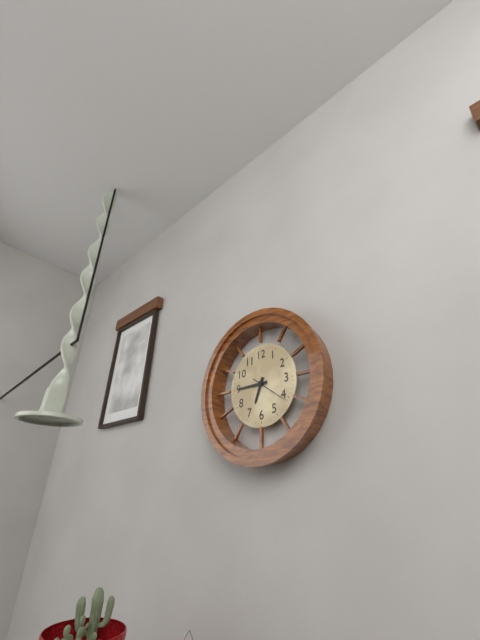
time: 6:45
